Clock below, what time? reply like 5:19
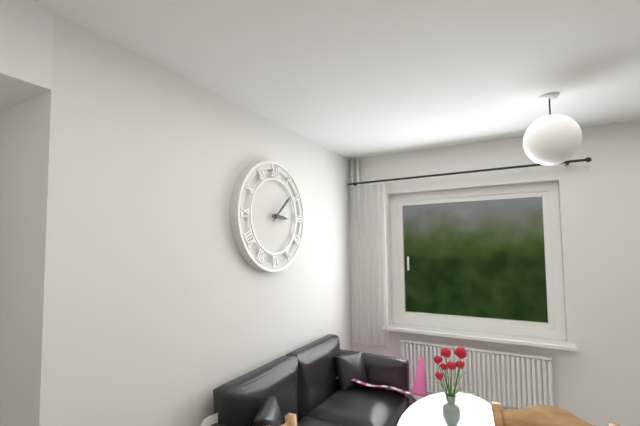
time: 3:08
